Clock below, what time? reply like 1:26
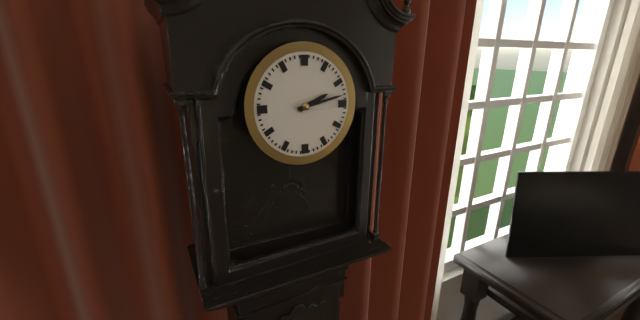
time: 2:13
